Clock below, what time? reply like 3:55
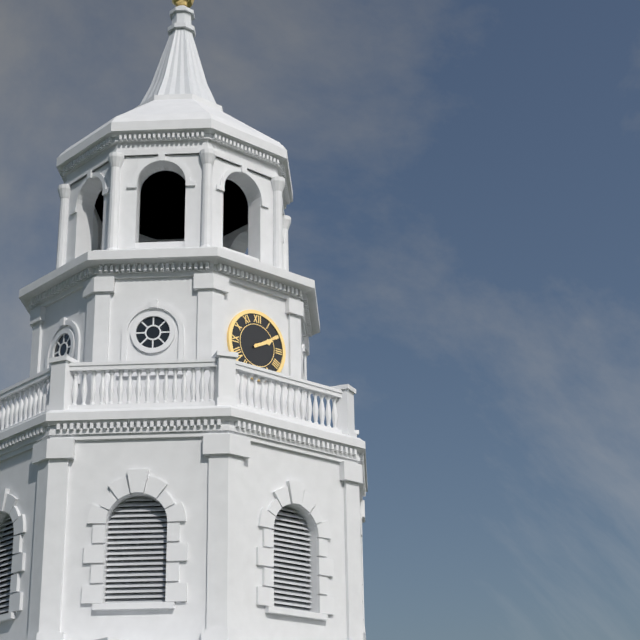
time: 2:10
